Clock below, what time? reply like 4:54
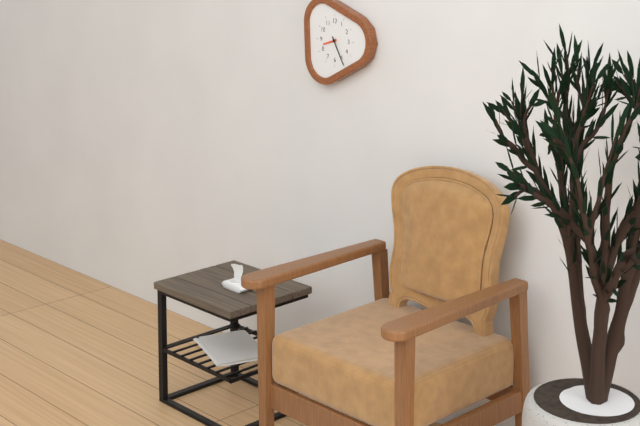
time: 8:25
